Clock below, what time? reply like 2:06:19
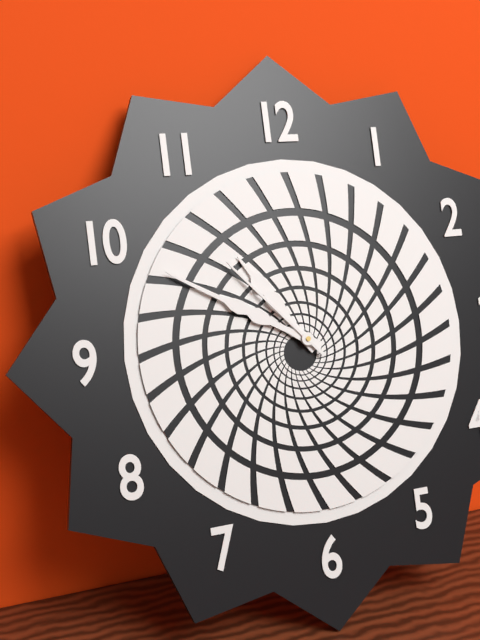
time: 10:50:53
